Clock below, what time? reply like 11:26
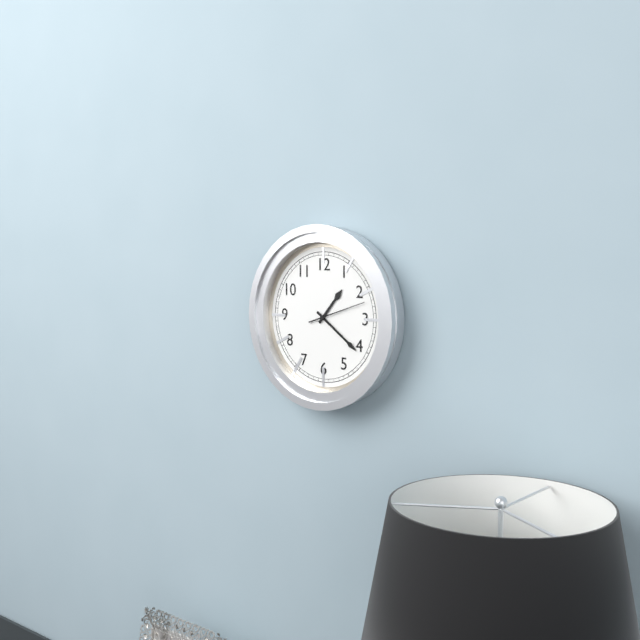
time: 1:21
